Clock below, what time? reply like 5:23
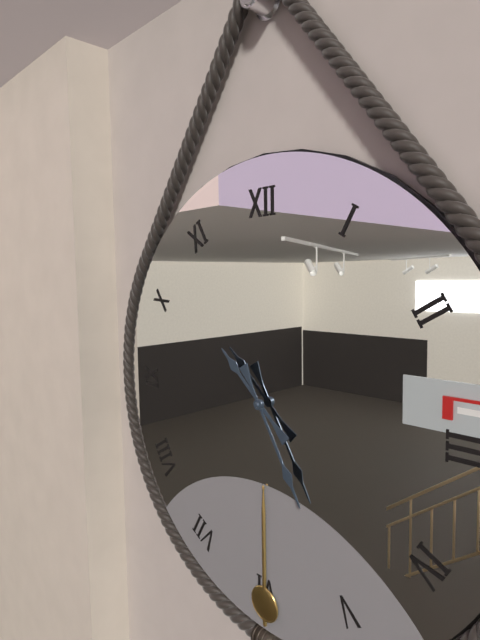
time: 10:25
